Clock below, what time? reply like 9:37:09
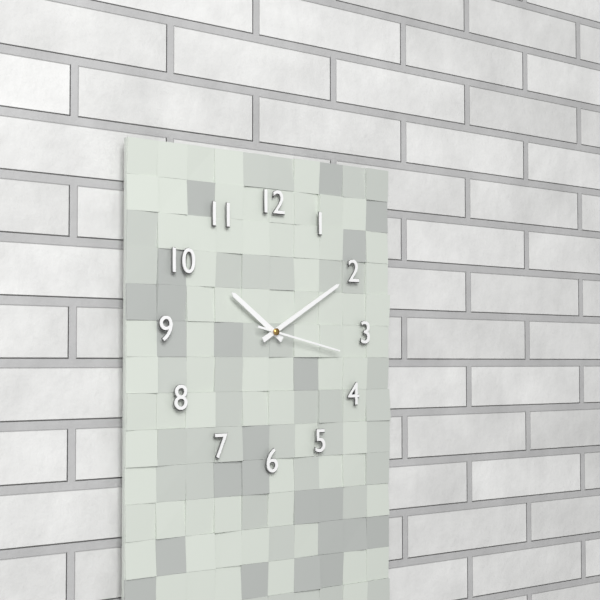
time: 10:10:17
